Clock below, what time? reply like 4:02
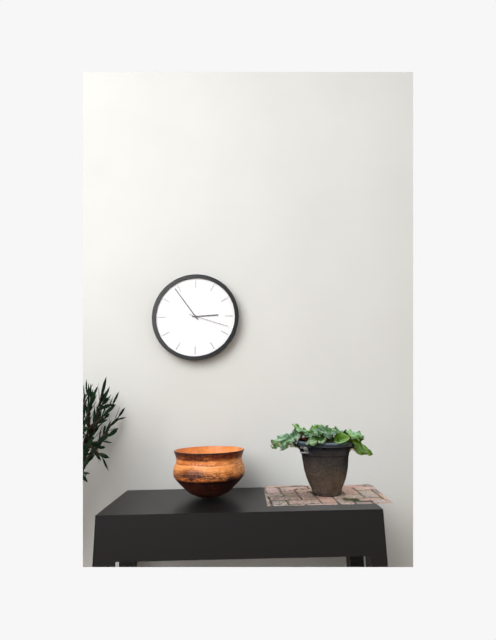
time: 2:54
